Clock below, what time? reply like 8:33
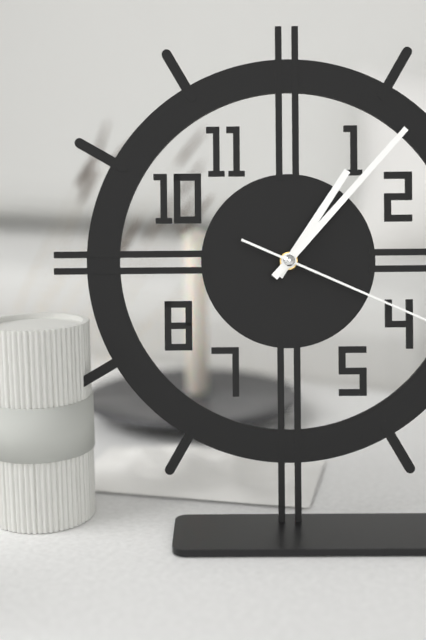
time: 1:07
